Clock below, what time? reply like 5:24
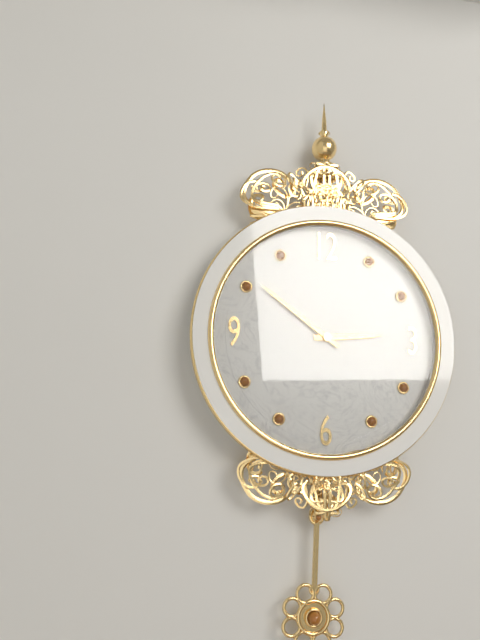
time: 2:51
